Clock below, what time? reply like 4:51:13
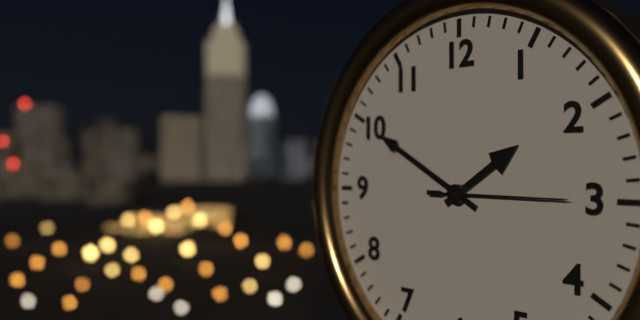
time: 1:50:15
